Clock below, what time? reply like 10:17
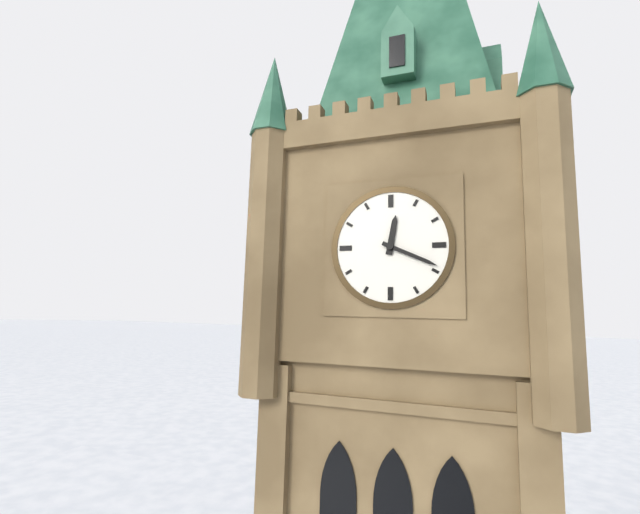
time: 12:19
